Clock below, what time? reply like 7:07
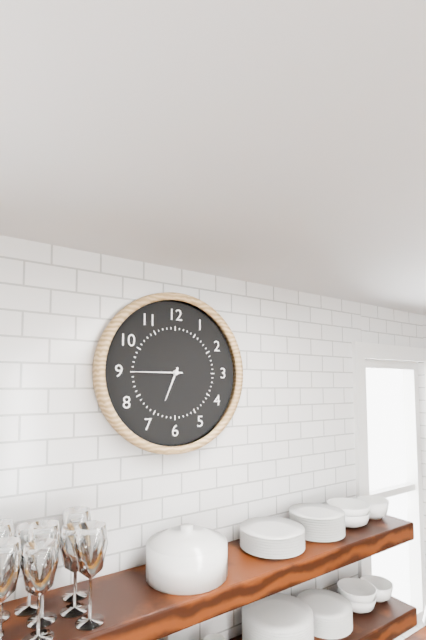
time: 6:45
